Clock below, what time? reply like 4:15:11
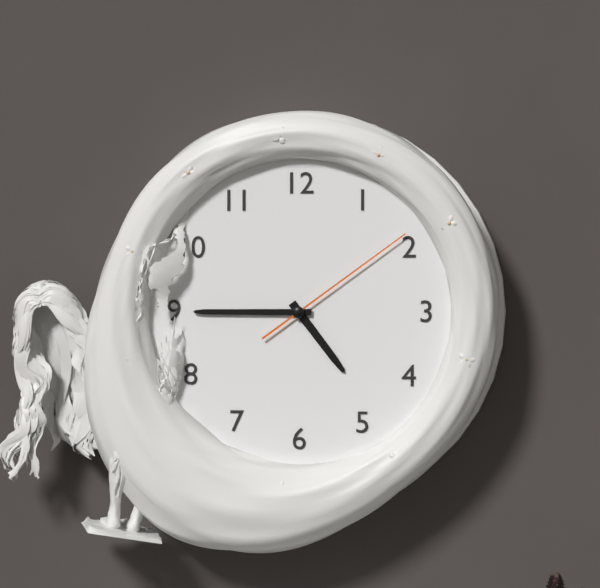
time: 4:45:09
